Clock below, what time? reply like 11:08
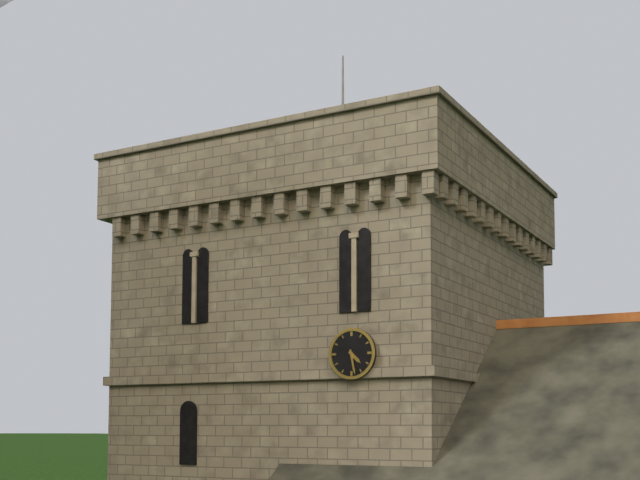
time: 4:28
